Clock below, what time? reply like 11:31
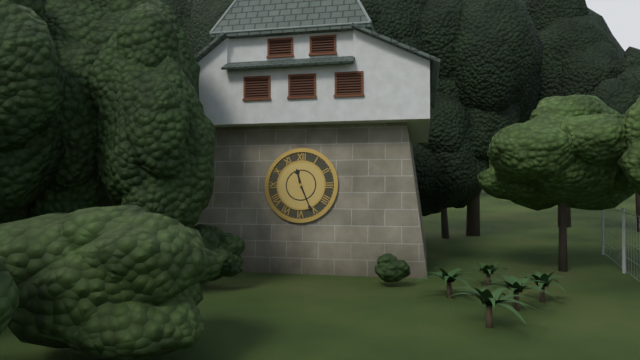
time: 11:26
